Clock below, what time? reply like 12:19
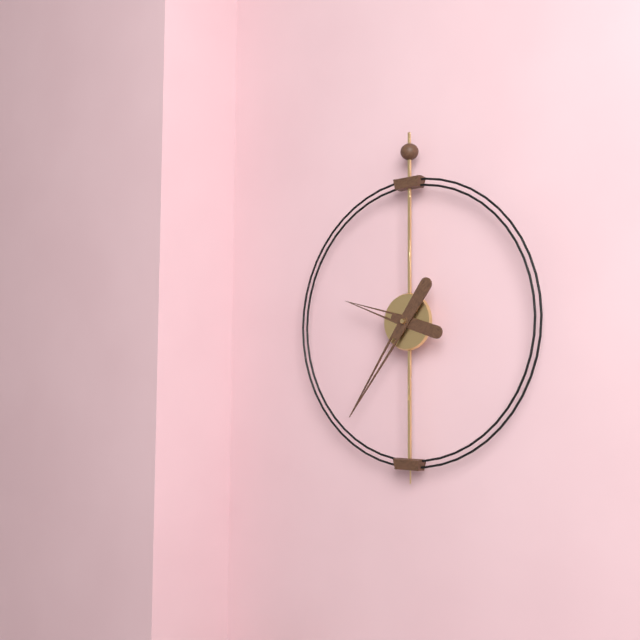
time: 9:36
